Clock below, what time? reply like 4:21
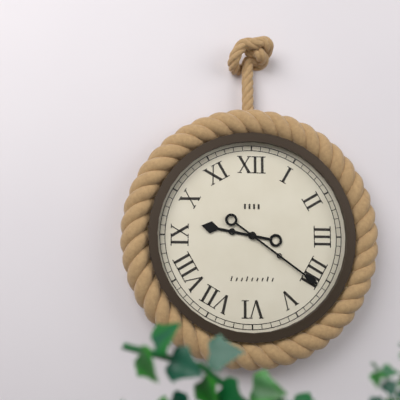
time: 9:21
